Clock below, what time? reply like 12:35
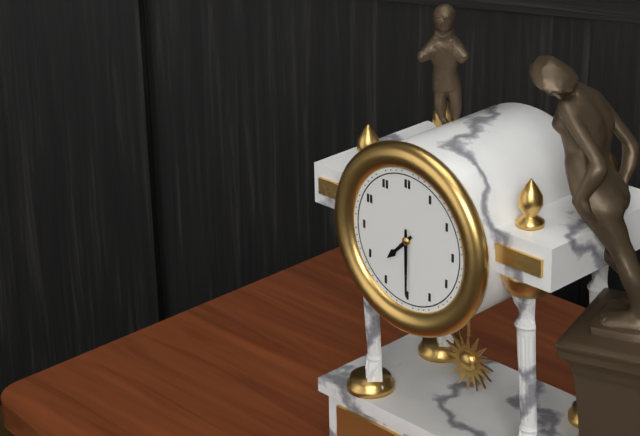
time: 7:30
